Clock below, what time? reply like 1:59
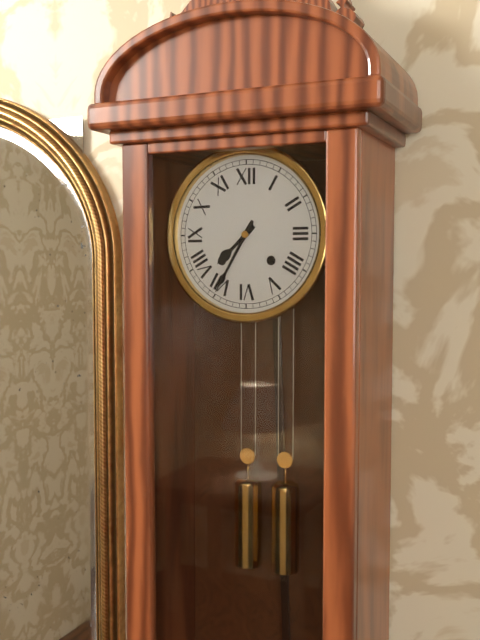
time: 7:35
